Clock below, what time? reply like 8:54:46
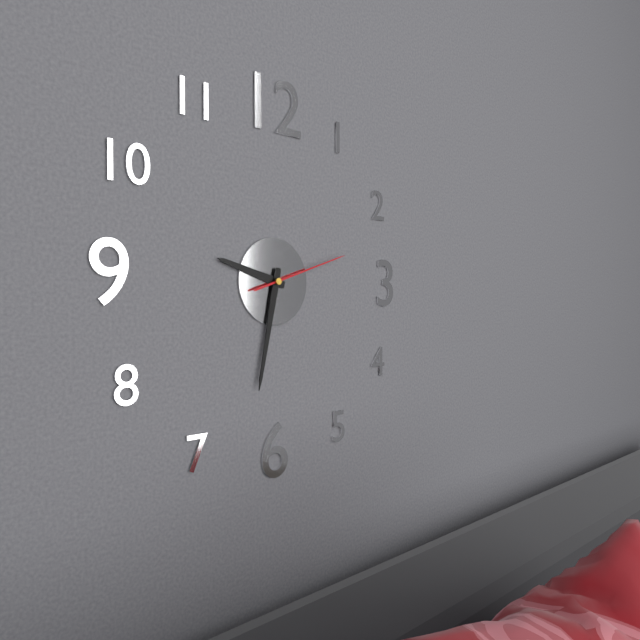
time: 9:32:12
